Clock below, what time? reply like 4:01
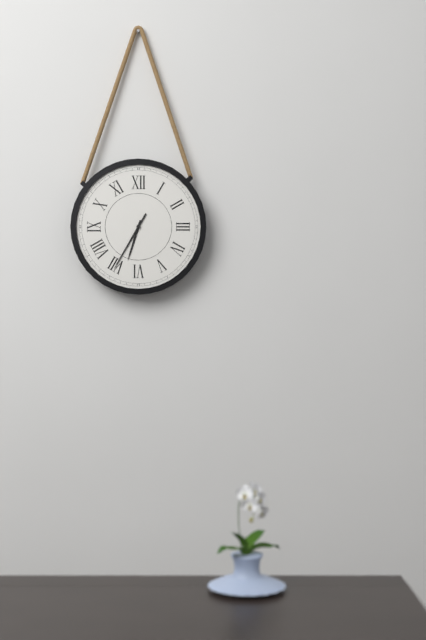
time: 6:35
